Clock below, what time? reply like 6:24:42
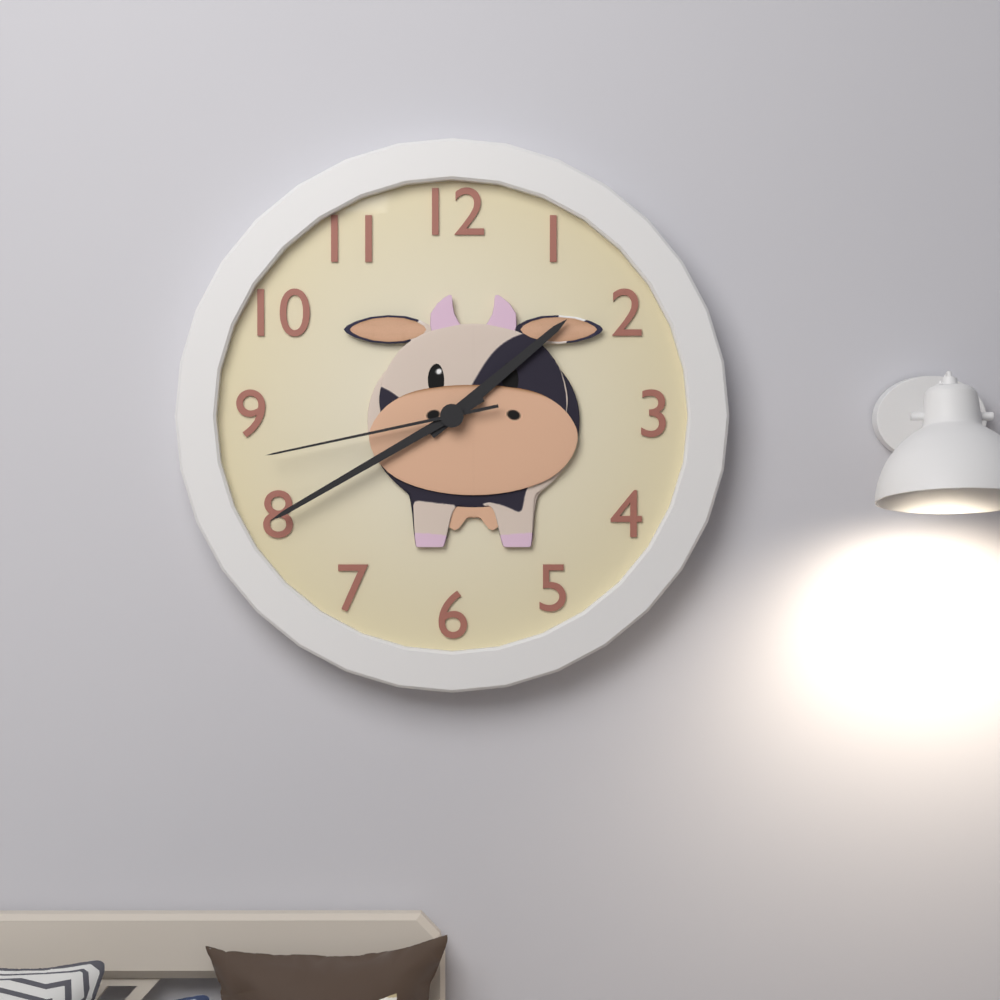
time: 1:40:43
